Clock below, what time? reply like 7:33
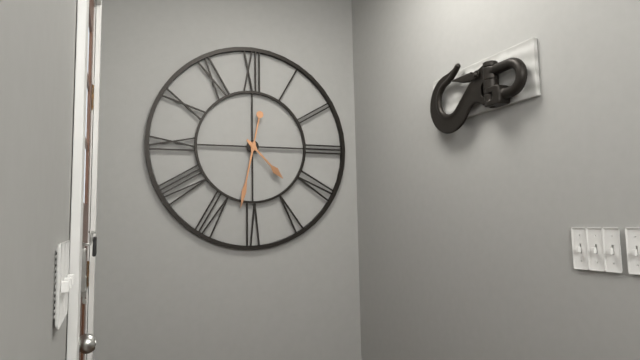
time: 4:32
